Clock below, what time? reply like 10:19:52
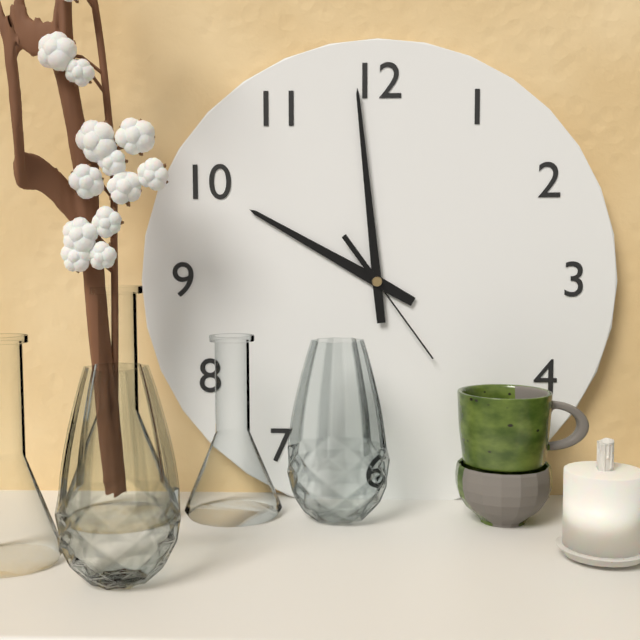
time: 9:59:24
